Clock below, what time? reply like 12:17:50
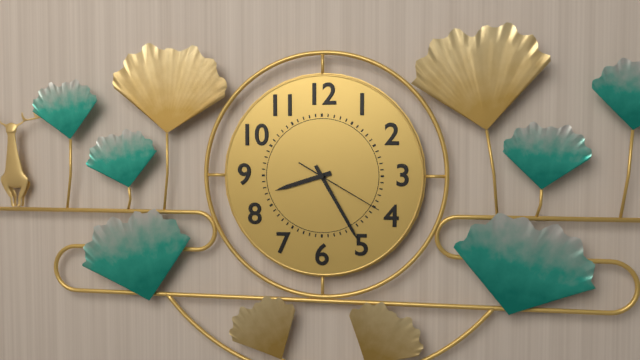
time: 8:25:20
